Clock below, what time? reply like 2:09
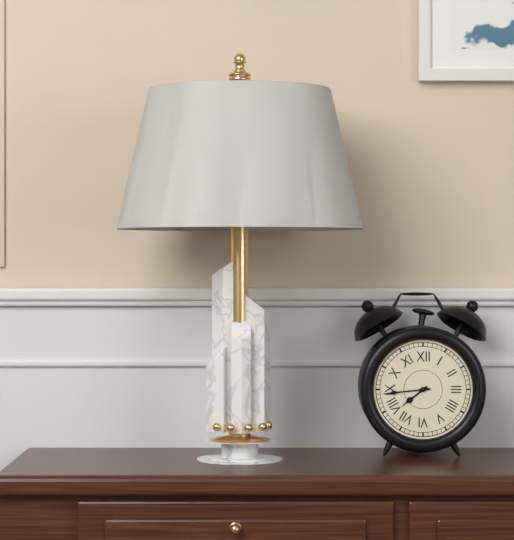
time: 7:44
